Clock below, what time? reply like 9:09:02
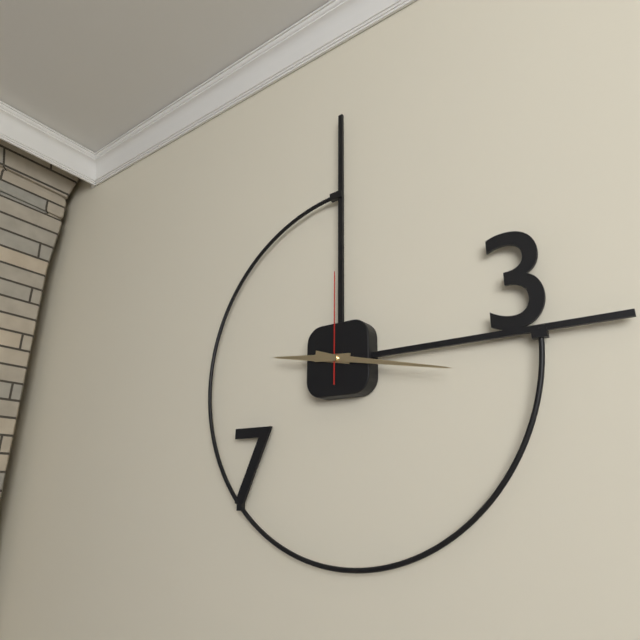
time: 9:17:00
